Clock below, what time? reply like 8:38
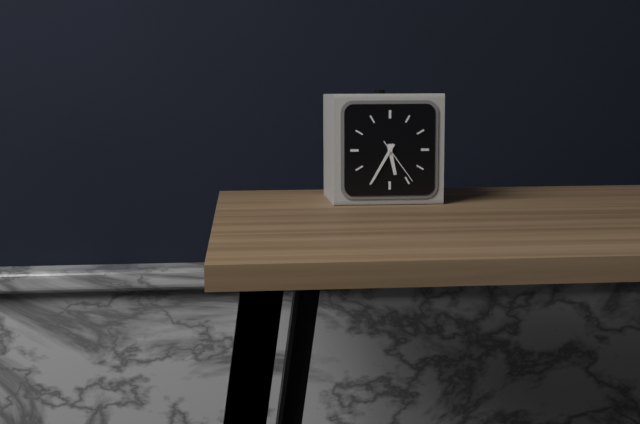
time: 5:35
